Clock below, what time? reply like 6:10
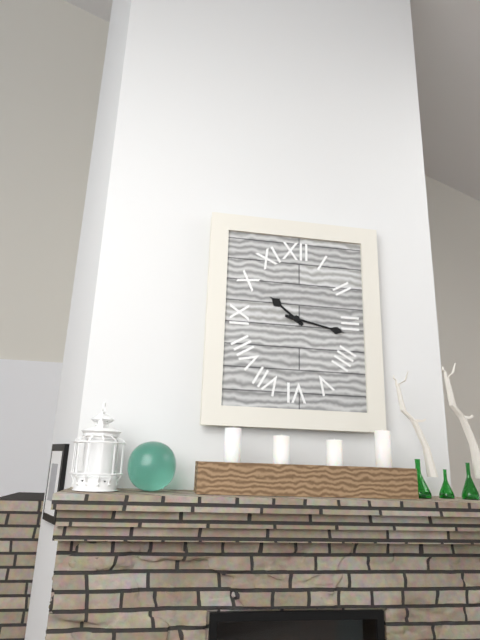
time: 10:17
